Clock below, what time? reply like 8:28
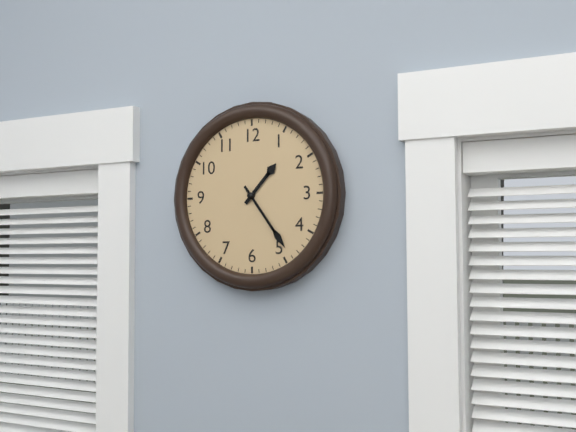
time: 1:24
